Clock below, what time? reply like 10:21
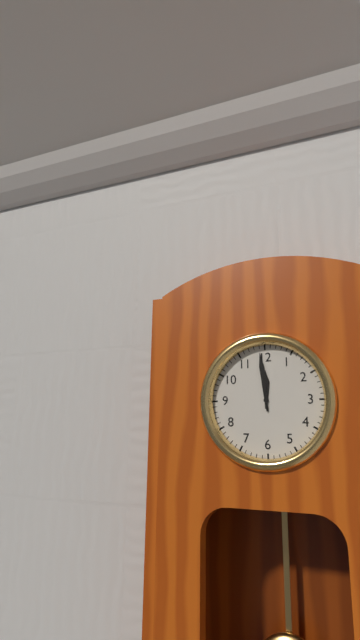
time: 11:59
